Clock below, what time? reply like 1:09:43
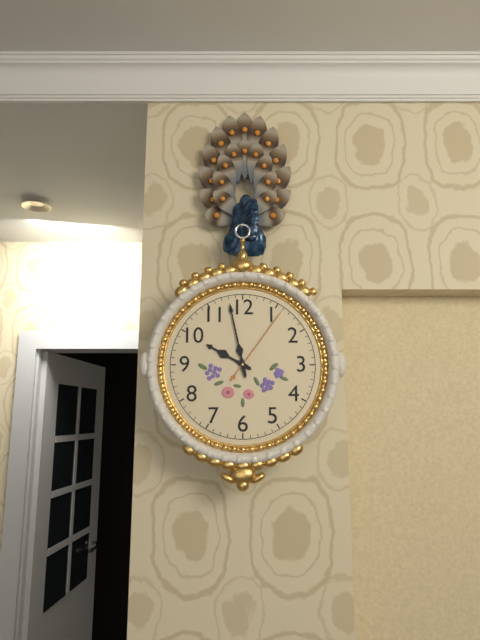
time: 9:58:06
